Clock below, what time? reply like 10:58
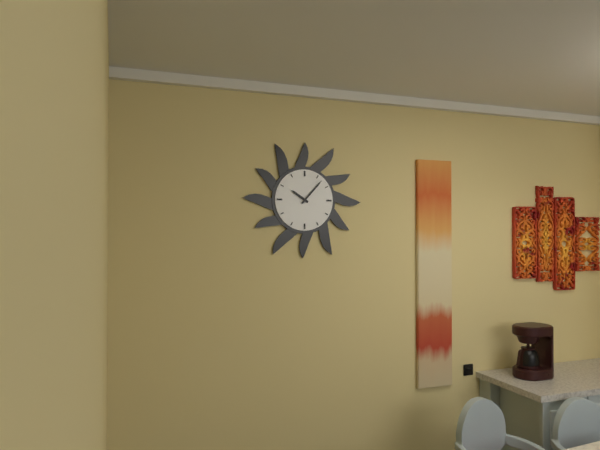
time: 10:07
